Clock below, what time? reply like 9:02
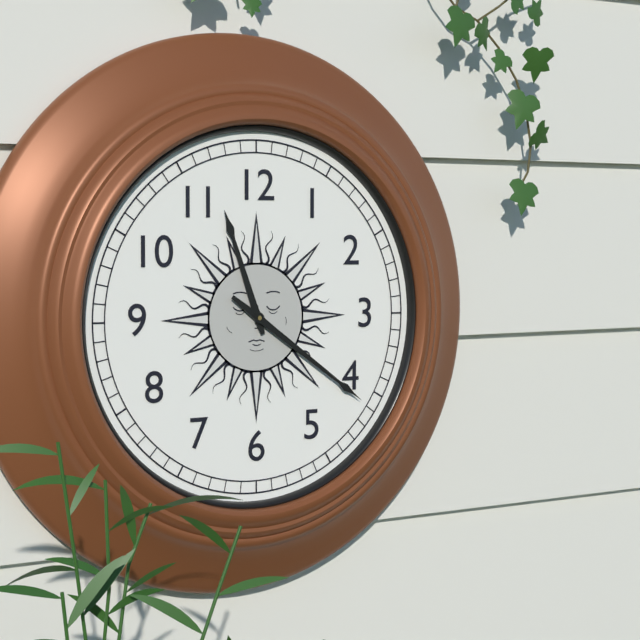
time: 11:21
